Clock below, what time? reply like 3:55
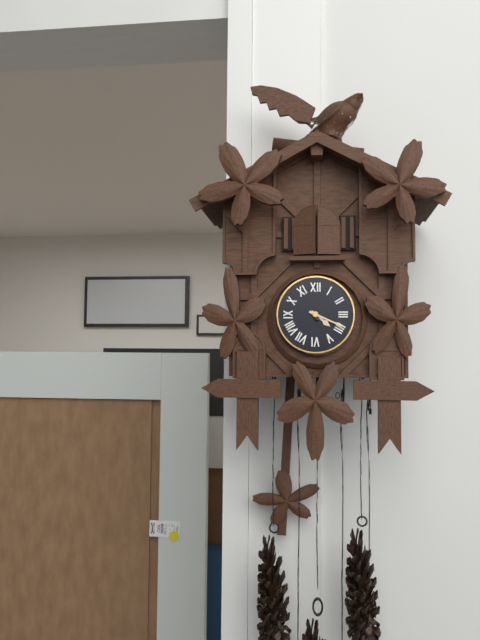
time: 4:19
